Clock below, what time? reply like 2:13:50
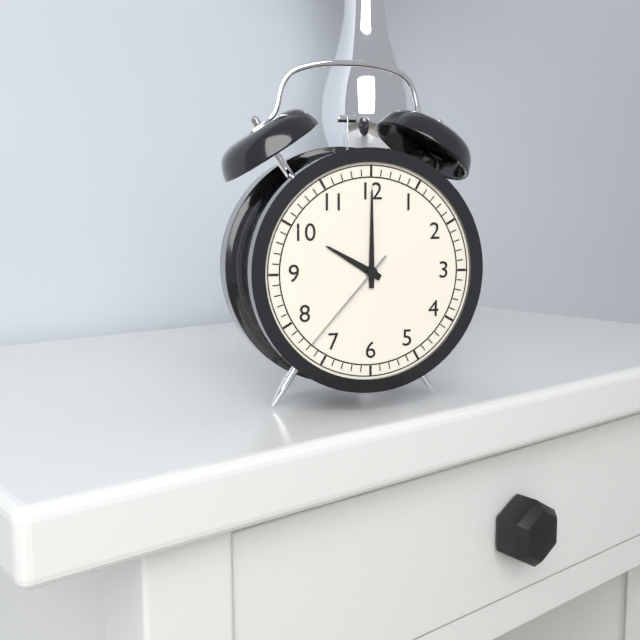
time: 10:00:37
